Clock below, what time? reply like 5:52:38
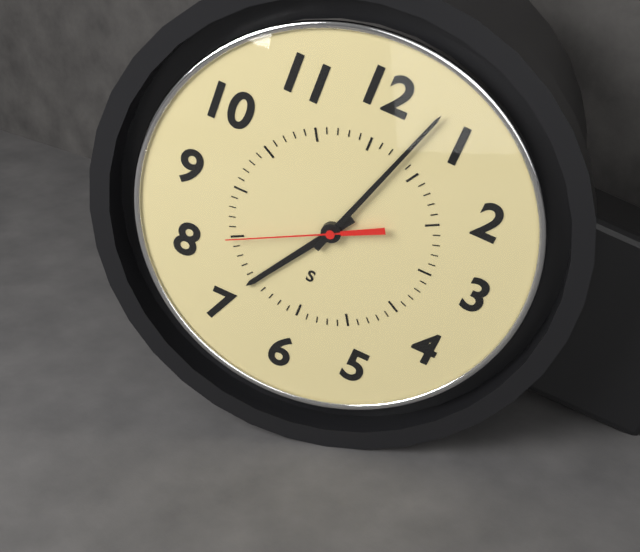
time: 7:03:40
